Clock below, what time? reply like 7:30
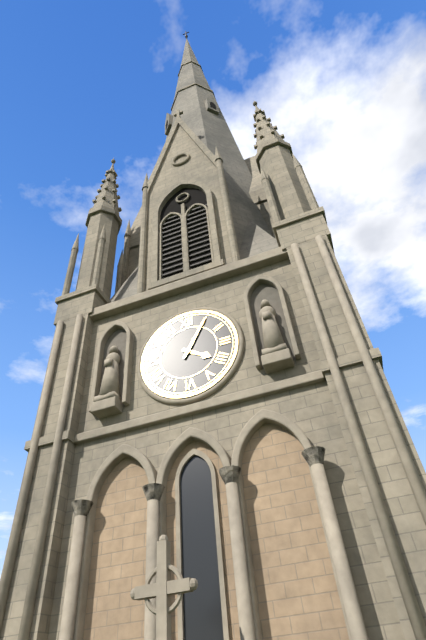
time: 4:05
